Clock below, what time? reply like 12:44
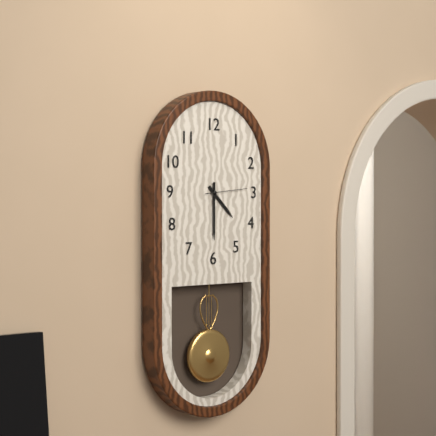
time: 4:30
